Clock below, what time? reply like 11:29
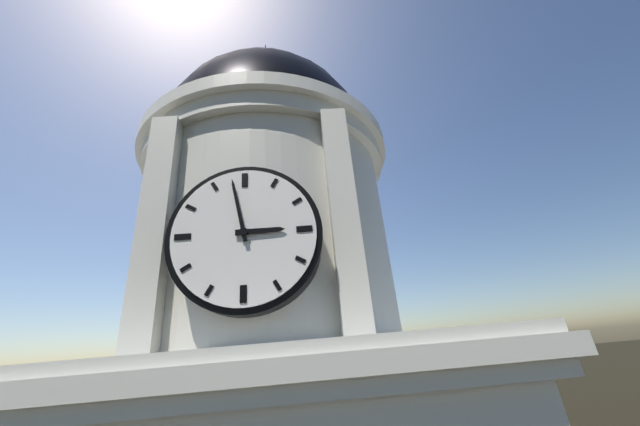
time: 2:58
